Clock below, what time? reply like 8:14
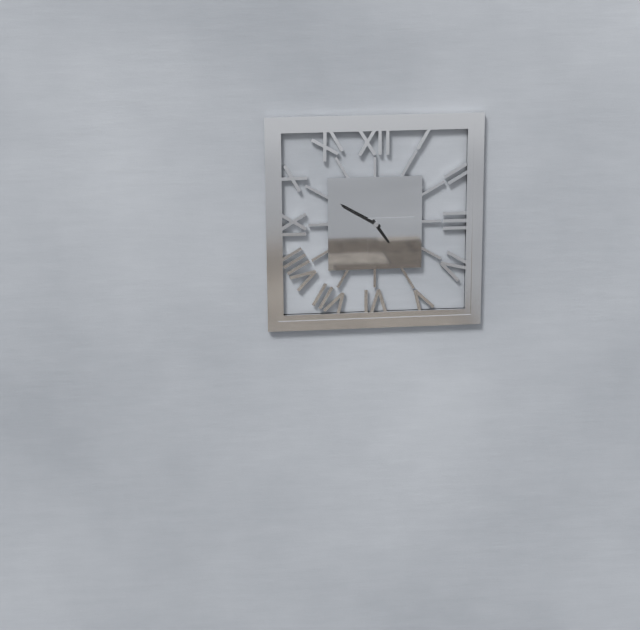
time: 4:50
